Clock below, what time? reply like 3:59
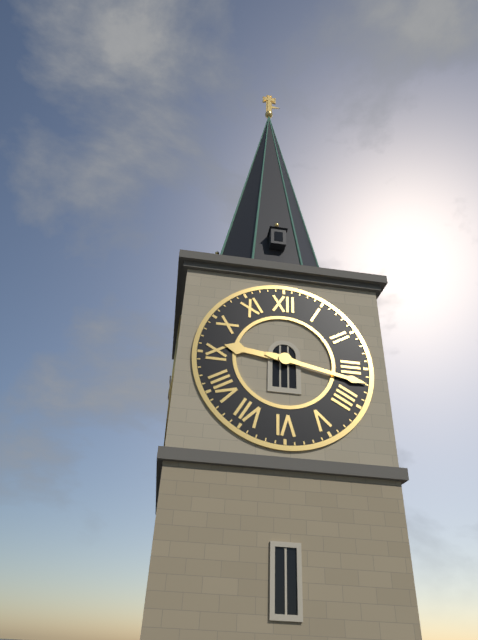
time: 9:17
